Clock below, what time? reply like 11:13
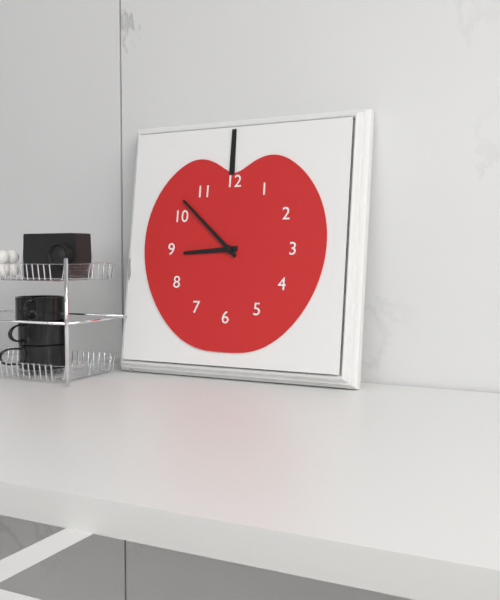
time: 8:52
